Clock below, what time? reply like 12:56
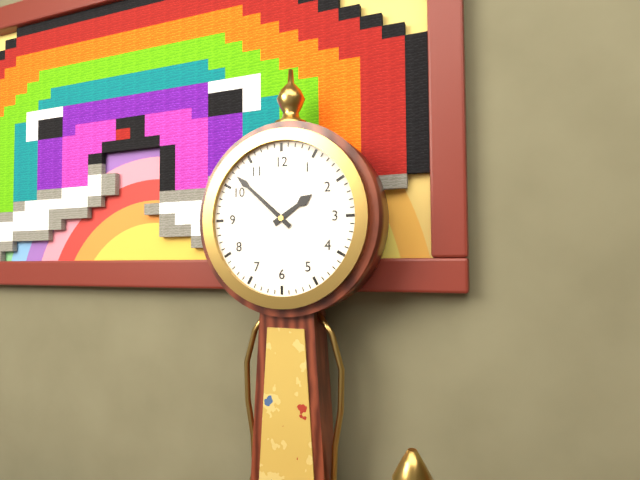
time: 1:52
